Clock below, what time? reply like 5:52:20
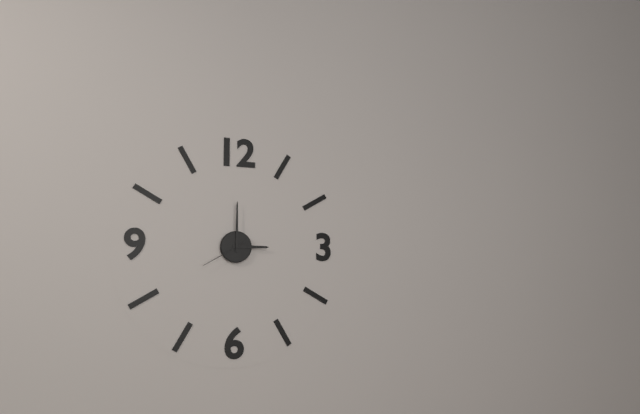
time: 3:00:40
